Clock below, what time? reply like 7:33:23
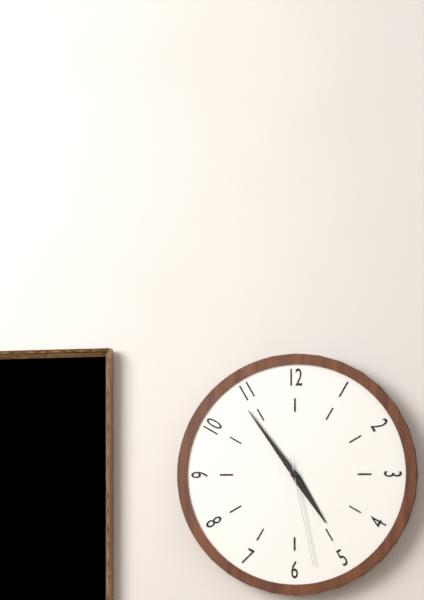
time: 4:54:28
